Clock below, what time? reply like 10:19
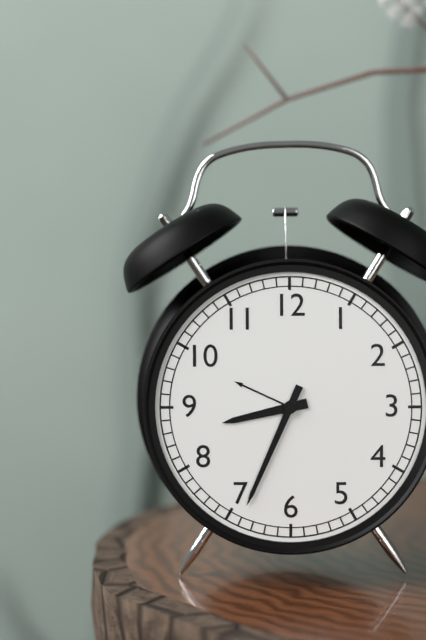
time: 8:34
